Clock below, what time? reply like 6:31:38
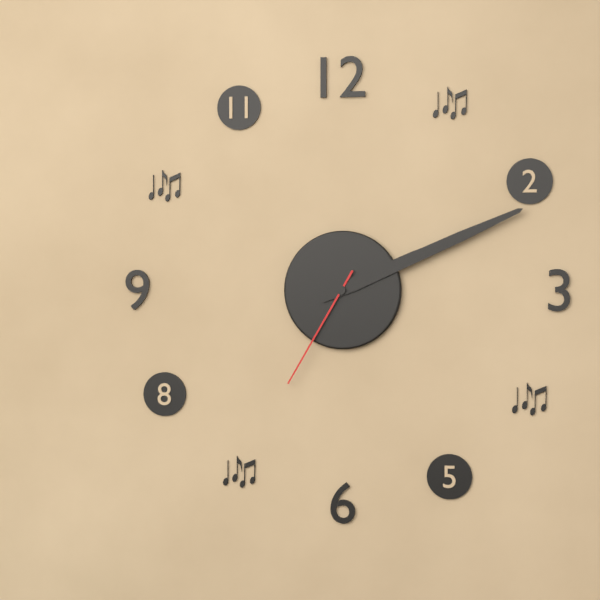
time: 2:11:35
